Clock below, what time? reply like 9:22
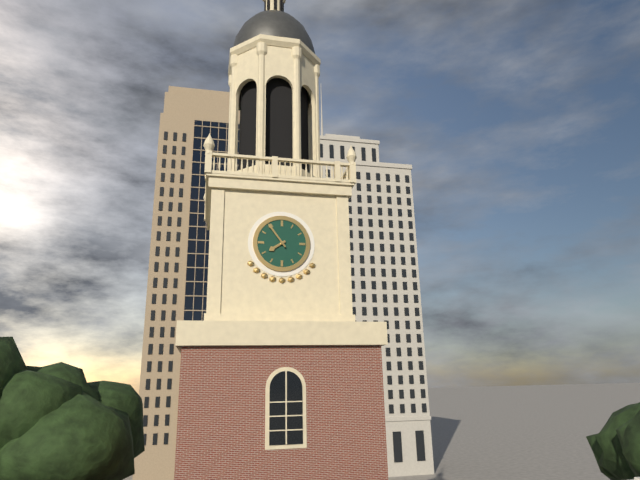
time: 7:54
